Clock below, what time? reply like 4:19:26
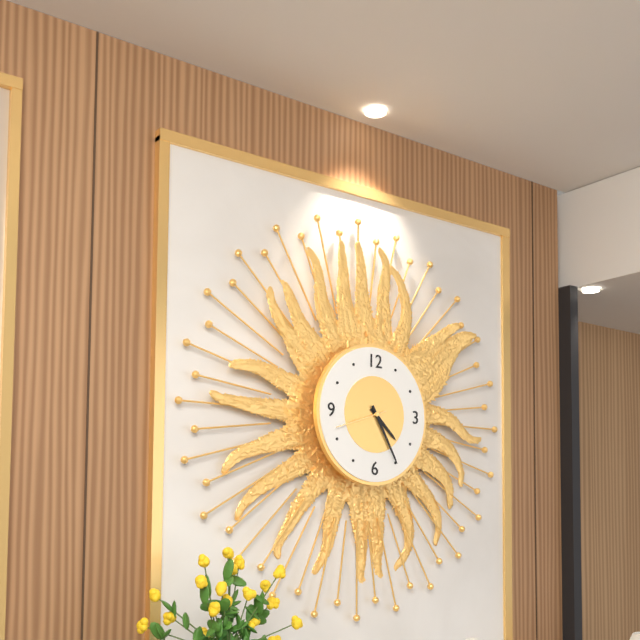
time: 4:25:42
